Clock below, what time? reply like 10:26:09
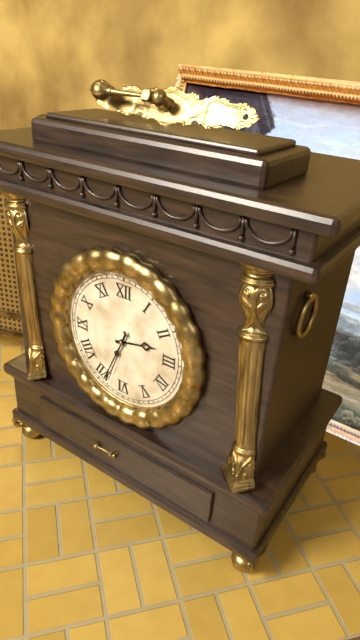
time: 2:34:33
